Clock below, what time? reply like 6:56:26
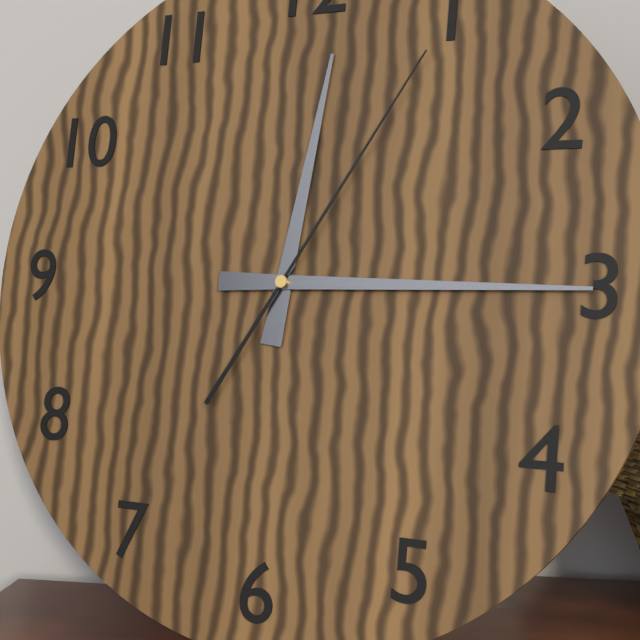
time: 12:15:05
